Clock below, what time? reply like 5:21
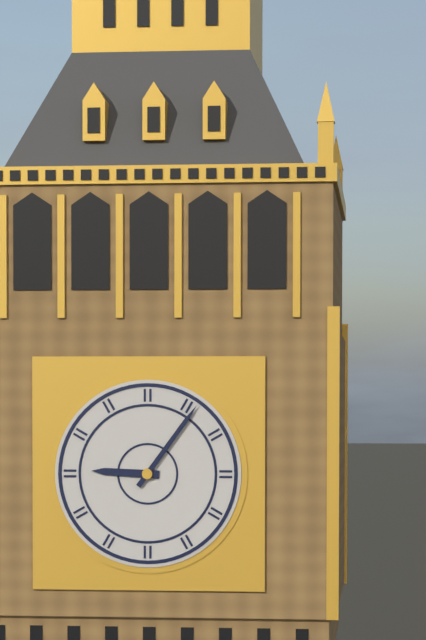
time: 9:06
